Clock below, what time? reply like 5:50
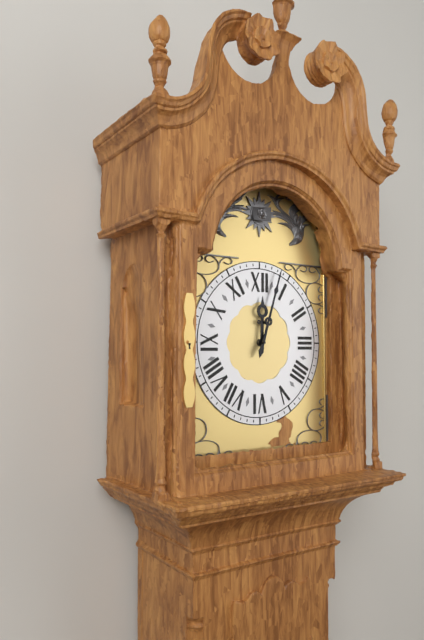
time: 12:03
